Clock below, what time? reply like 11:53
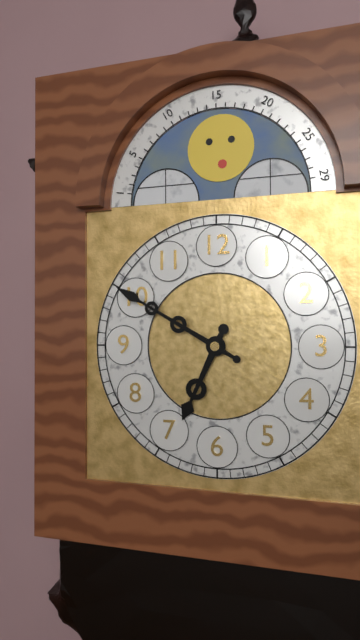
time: 6:50
